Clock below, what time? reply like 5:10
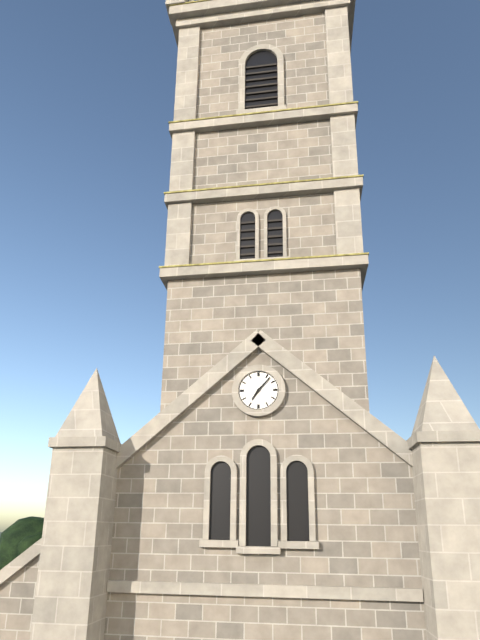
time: 7:07
